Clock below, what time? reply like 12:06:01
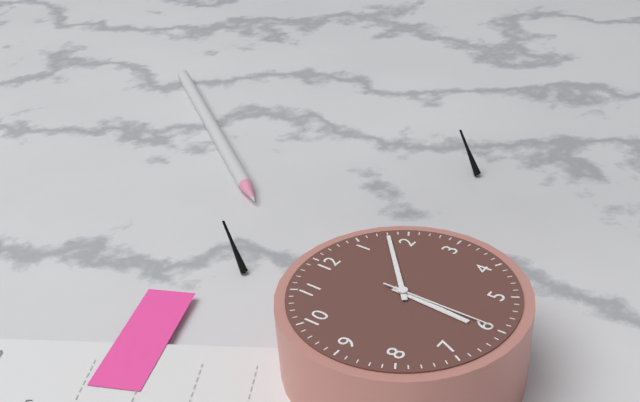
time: 6:08:30
